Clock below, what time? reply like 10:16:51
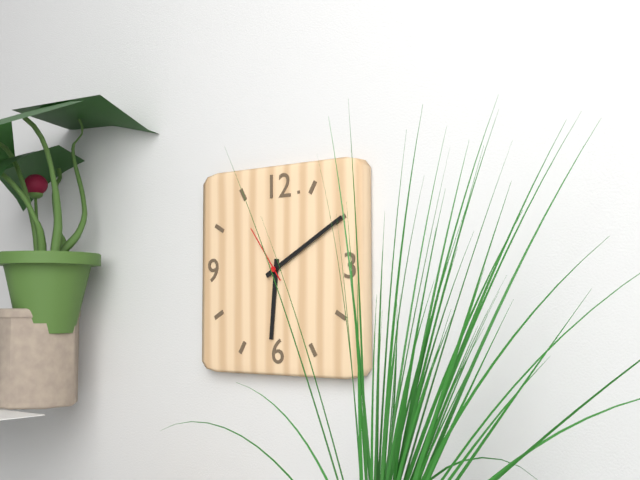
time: 6:10:54
